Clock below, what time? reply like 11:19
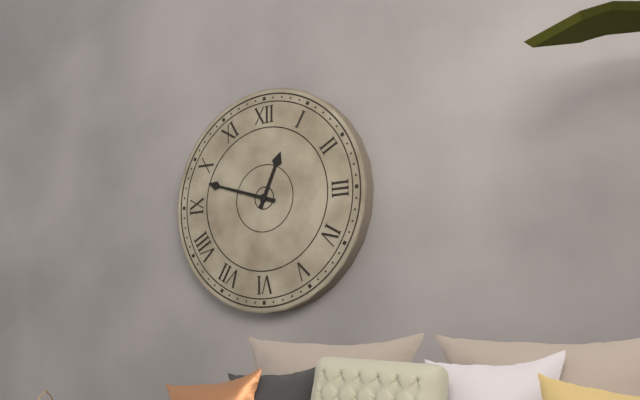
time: 12:48
